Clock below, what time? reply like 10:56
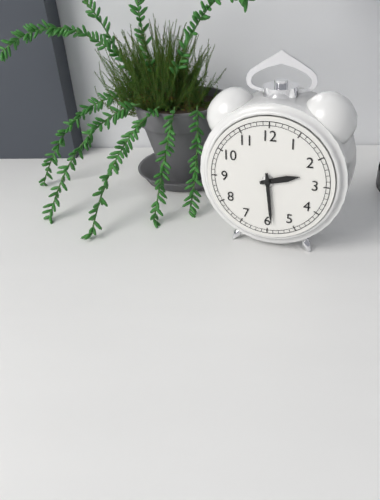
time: 2:29
